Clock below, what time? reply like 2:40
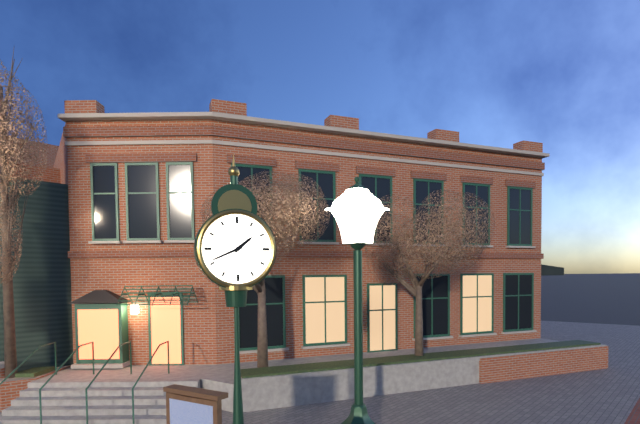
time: 1:41
